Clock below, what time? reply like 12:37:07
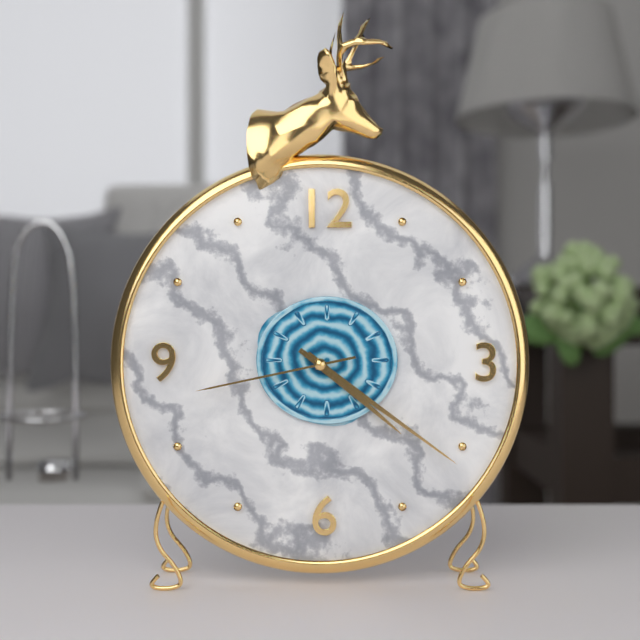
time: 4:21:43
